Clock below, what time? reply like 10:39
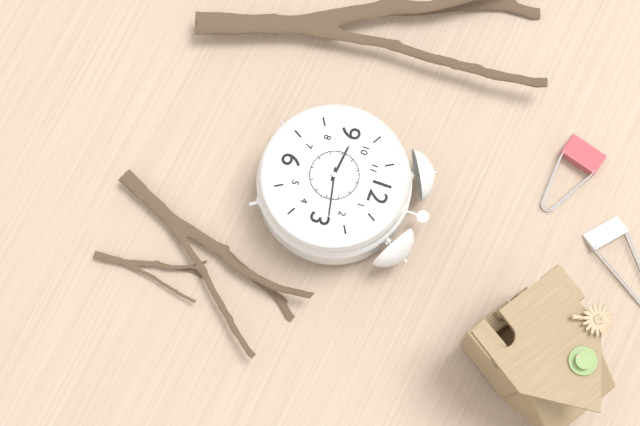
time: 9:13
